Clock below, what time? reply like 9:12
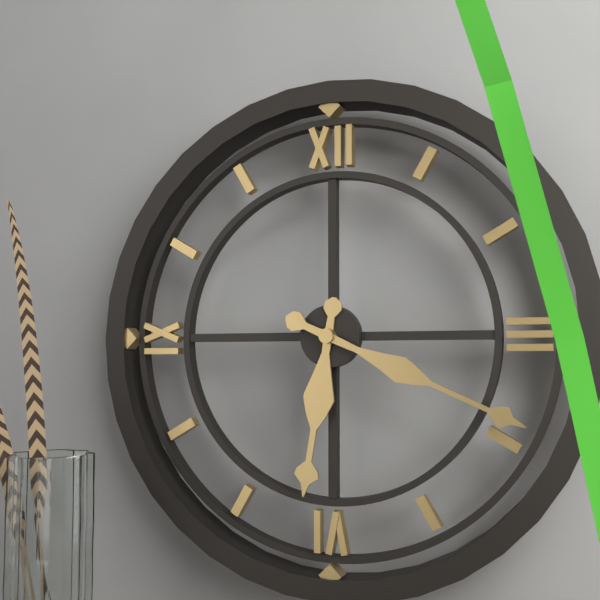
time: 6:19
